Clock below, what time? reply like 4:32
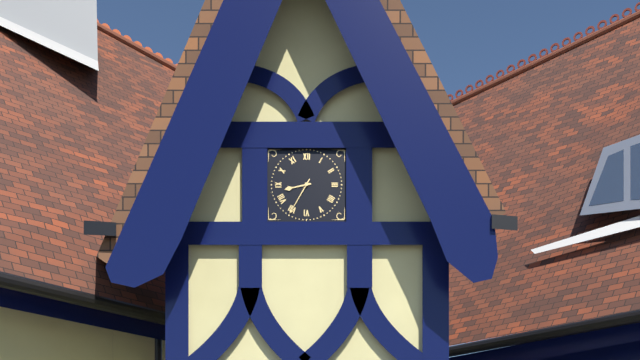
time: 8:35
